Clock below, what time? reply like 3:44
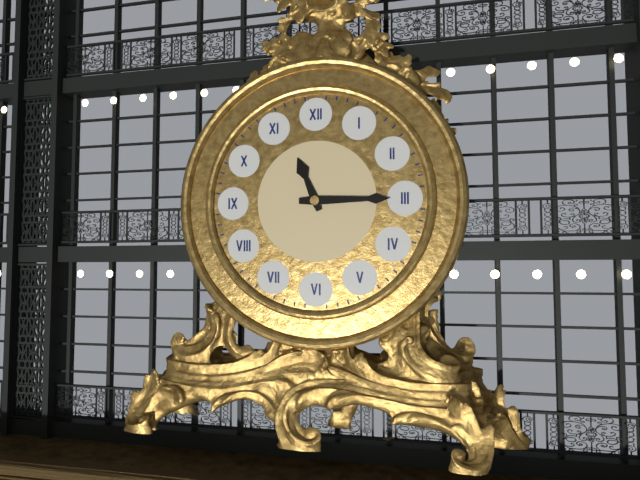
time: 11:15
